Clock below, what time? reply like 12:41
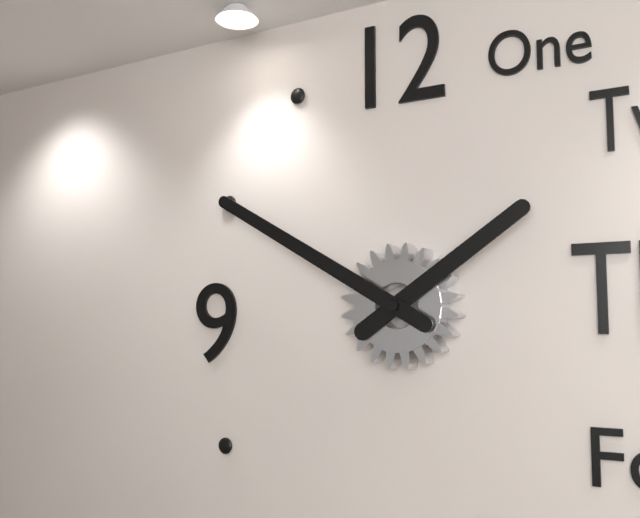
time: 1:50
